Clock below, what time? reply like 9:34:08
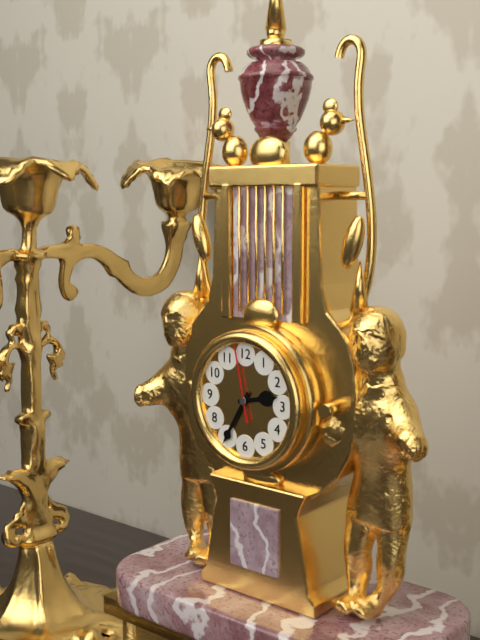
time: 2:35:58
